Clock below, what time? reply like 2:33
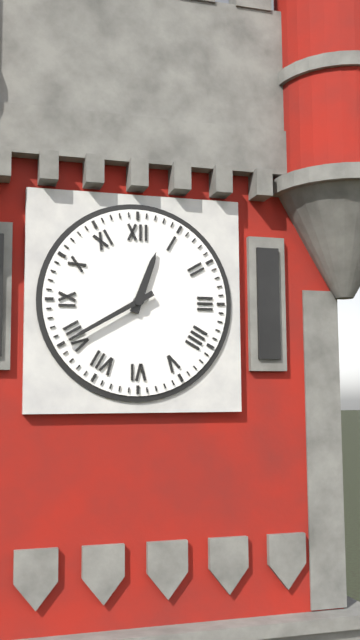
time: 12:40
